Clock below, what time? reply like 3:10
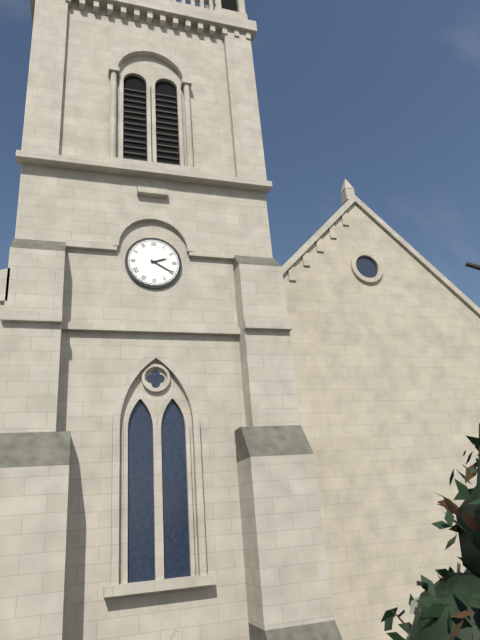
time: 2:20
